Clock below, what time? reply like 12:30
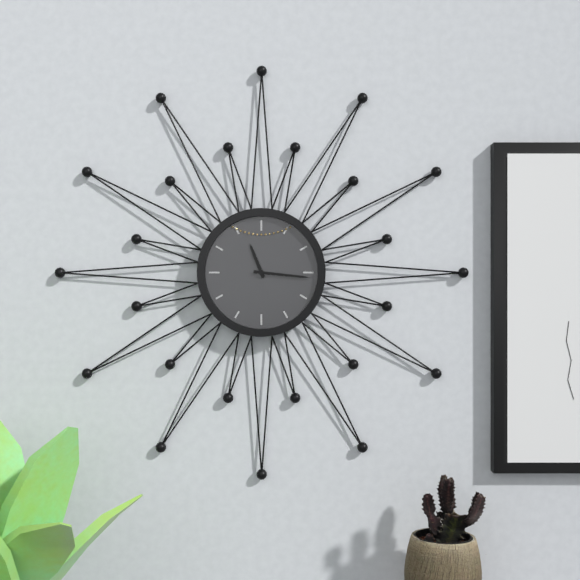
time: 11:16
